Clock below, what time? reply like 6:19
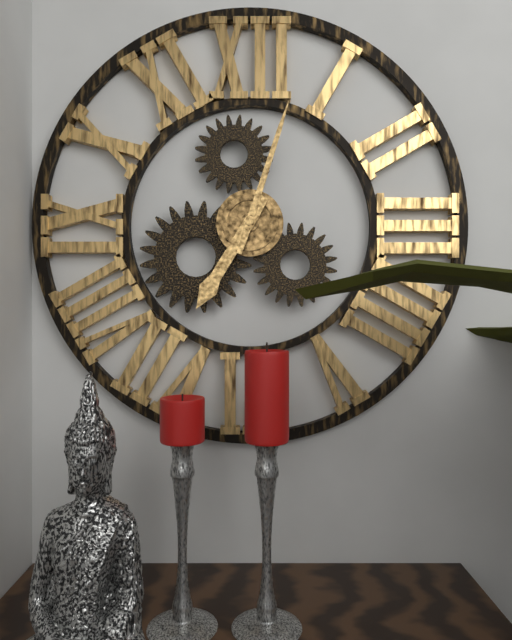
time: 7:03
